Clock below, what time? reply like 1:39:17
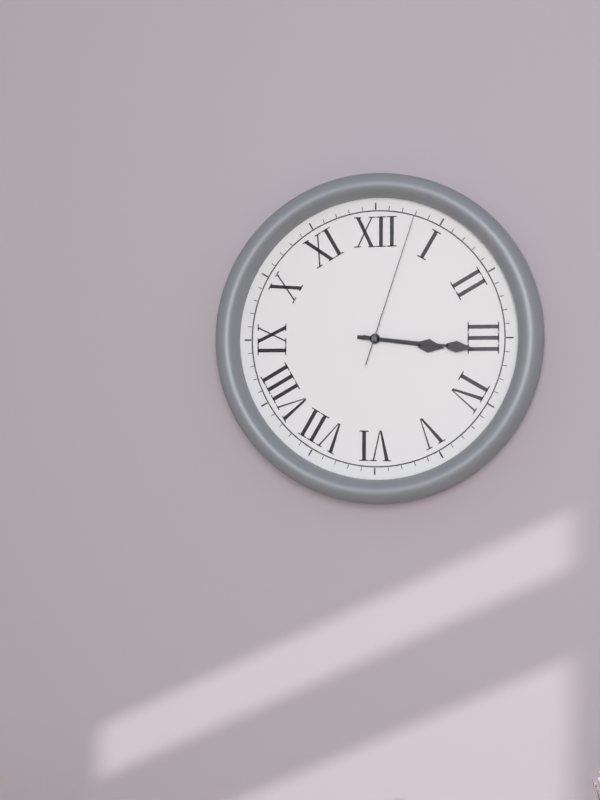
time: 3:16:03
